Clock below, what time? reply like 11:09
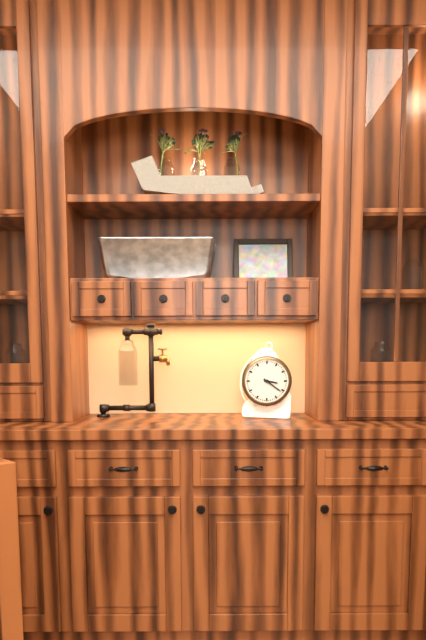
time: 3:21
